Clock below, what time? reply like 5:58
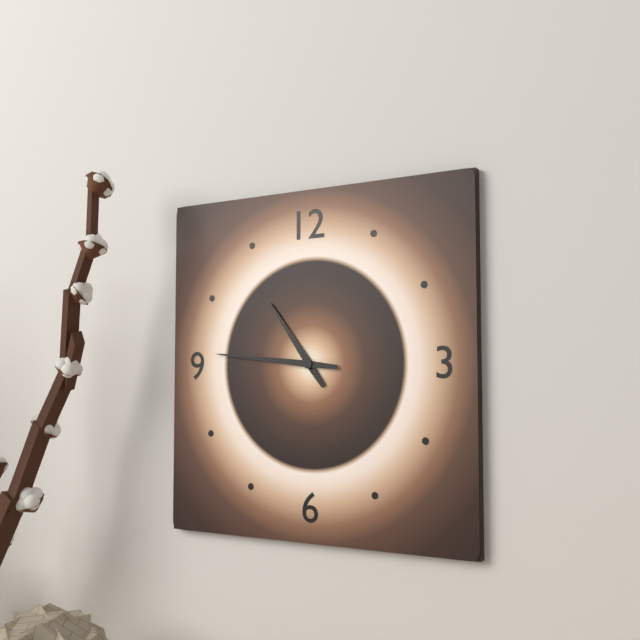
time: 10:46
